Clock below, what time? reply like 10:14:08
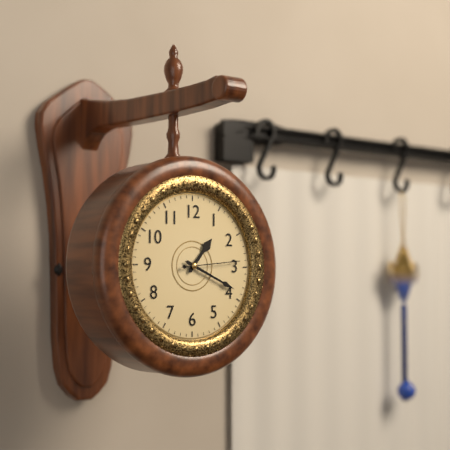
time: 1:19:14
